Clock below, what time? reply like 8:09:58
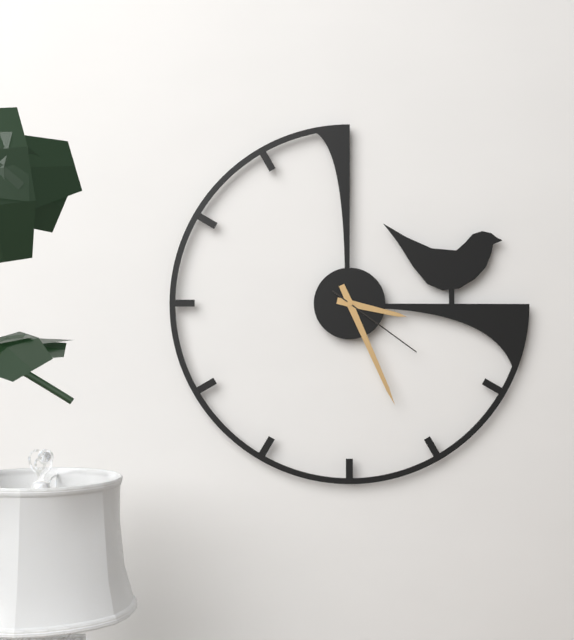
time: 3:26:21
